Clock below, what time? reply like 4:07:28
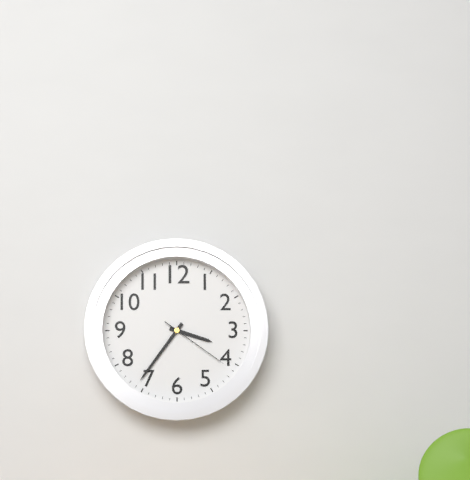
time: 3:36:21
